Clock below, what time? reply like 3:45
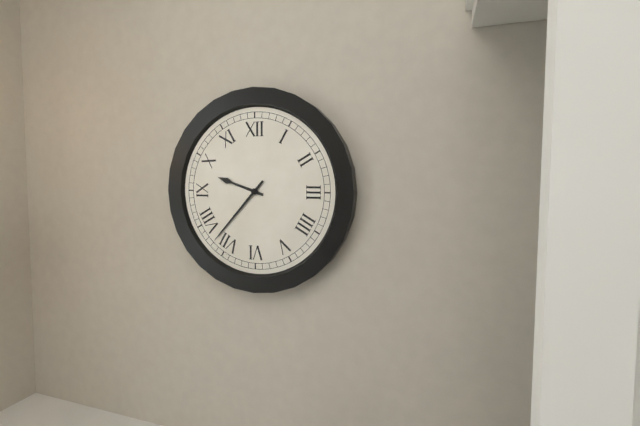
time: 9:37
